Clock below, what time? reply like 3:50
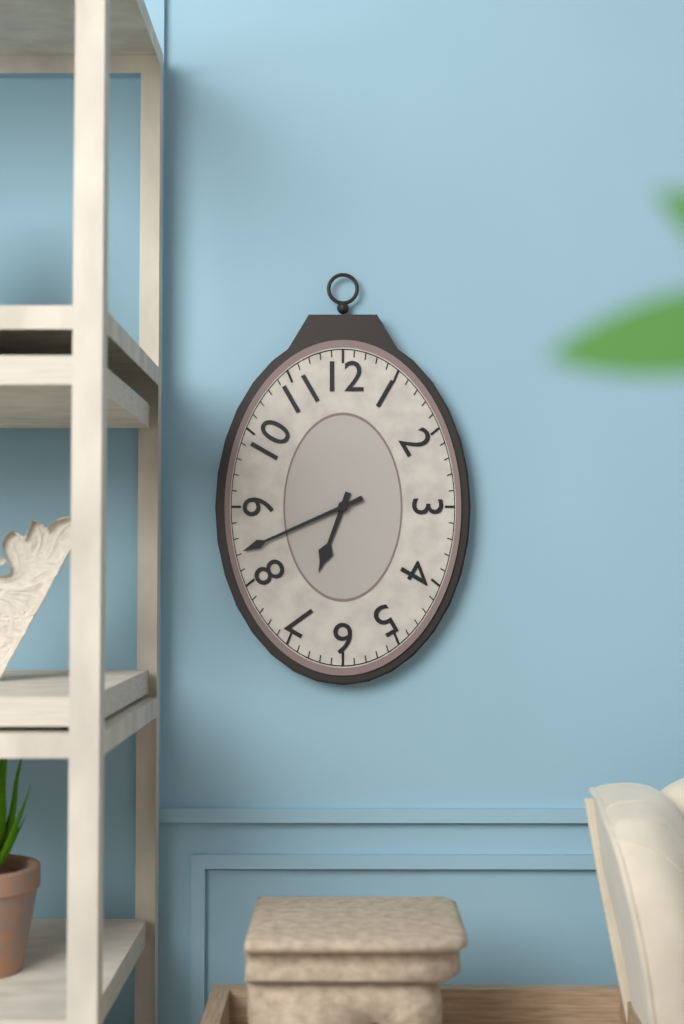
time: 6:41
